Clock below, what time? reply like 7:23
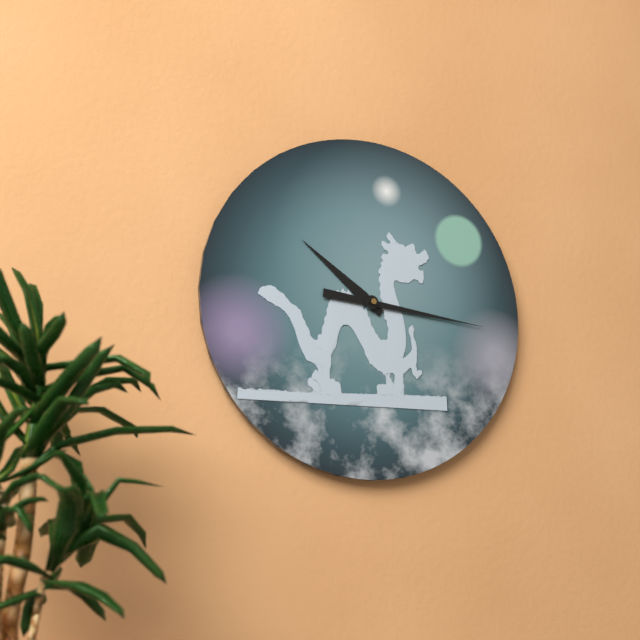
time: 10:16
